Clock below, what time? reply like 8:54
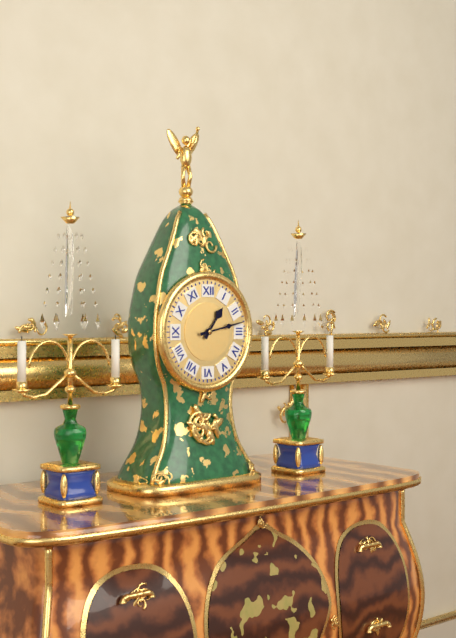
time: 1:13
